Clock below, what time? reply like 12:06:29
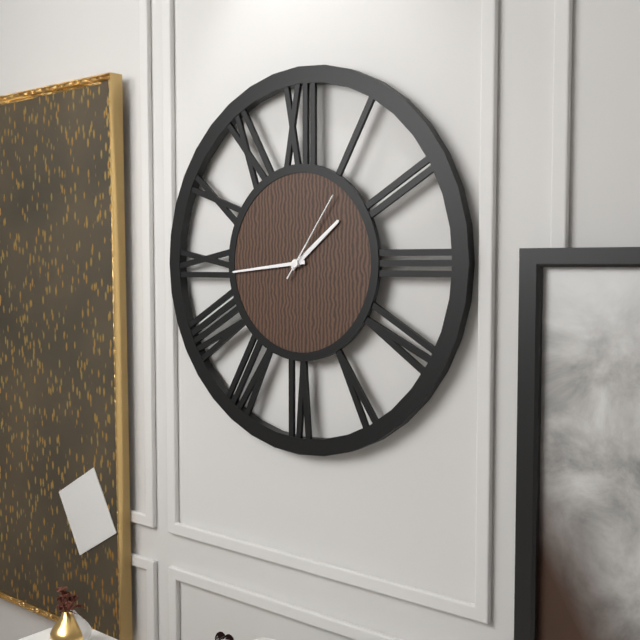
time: 1:44:06
